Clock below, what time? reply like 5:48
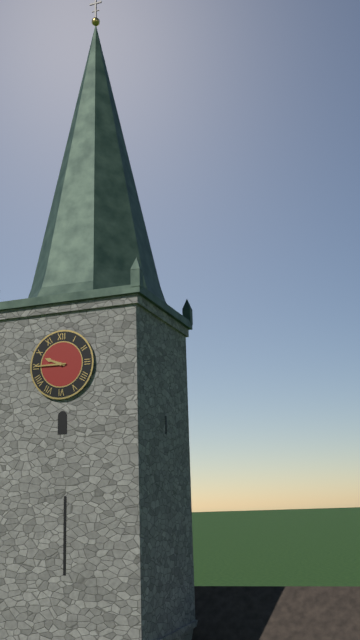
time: 9:45
